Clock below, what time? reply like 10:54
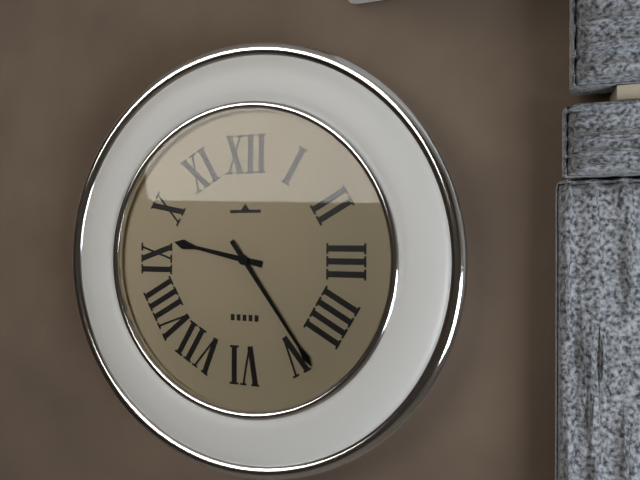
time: 9:24
